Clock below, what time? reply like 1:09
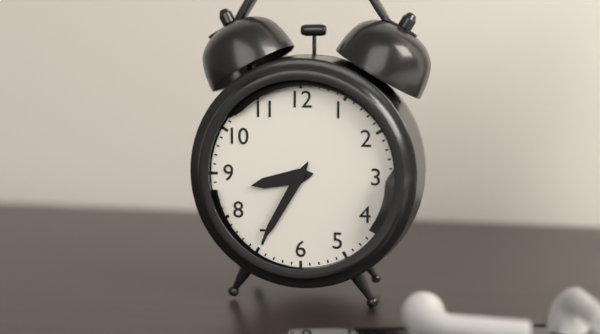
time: 8:35
